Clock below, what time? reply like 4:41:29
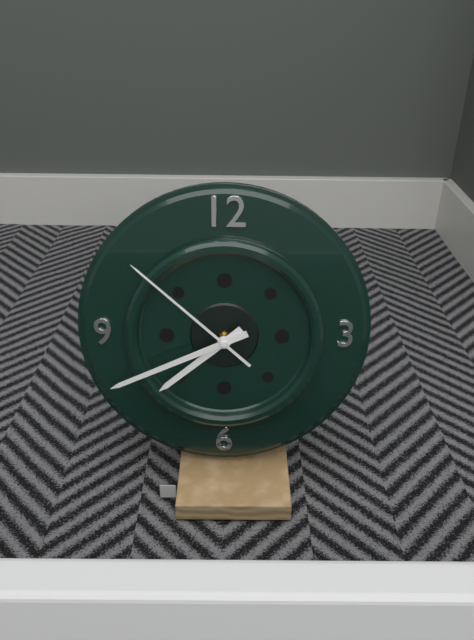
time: 7:41:52
